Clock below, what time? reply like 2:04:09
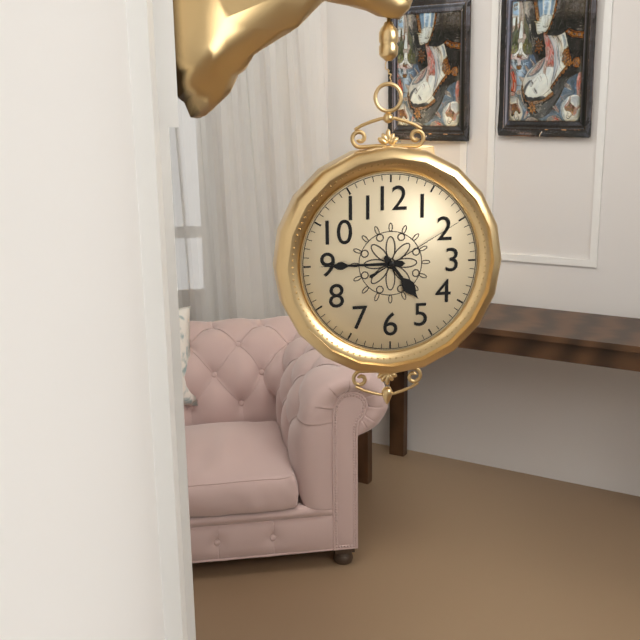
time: 4:45:10
